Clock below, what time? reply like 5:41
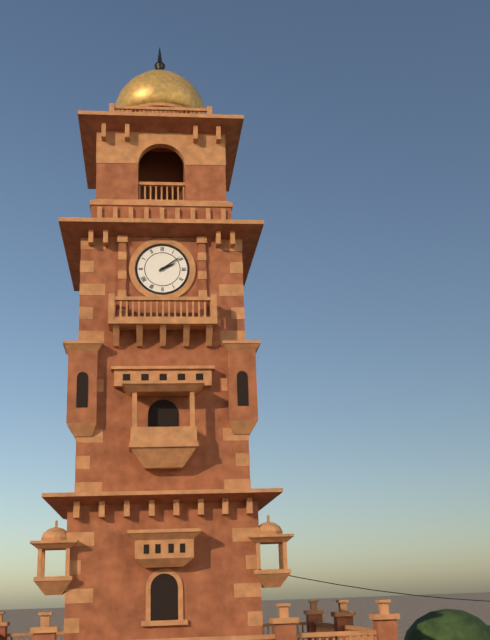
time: 2:09
